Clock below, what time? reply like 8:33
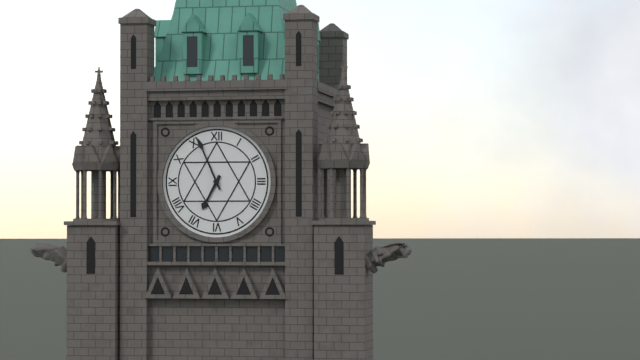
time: 6:56
